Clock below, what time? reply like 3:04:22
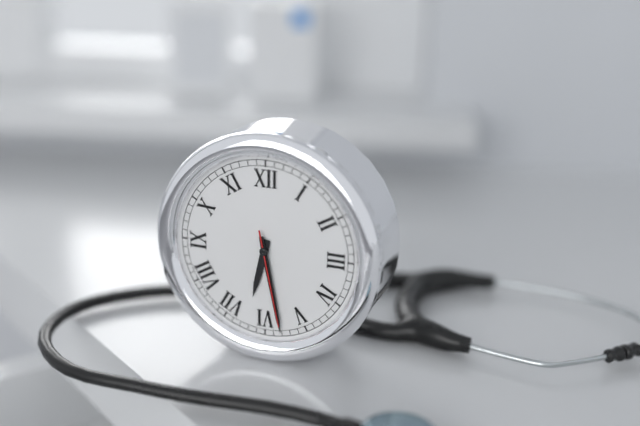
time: 6:28:28
